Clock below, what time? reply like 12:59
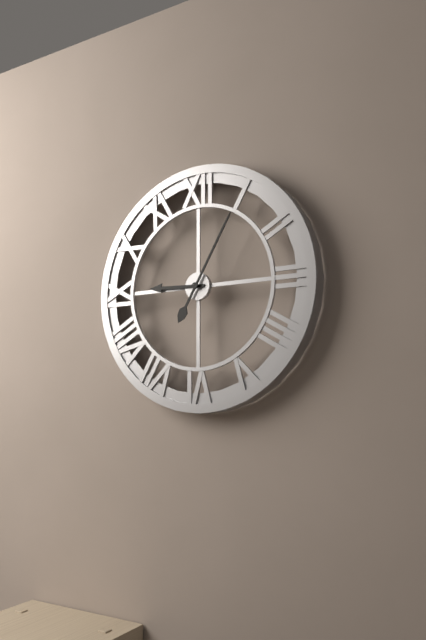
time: 9:05
